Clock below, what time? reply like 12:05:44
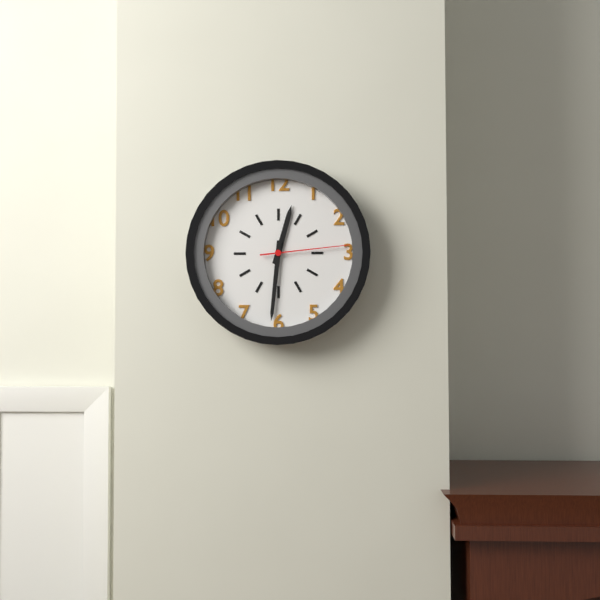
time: 12:31:14
